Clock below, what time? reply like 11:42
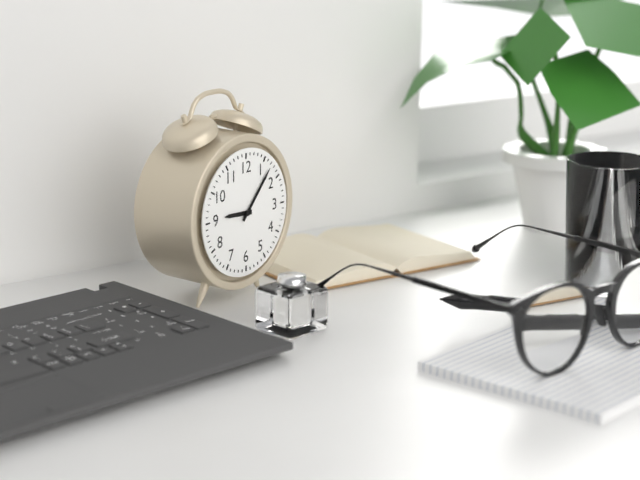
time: 9:07
